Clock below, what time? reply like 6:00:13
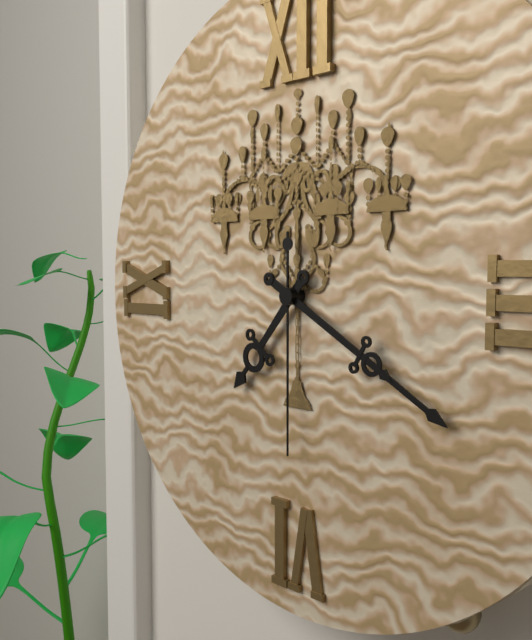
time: 7:20:30
